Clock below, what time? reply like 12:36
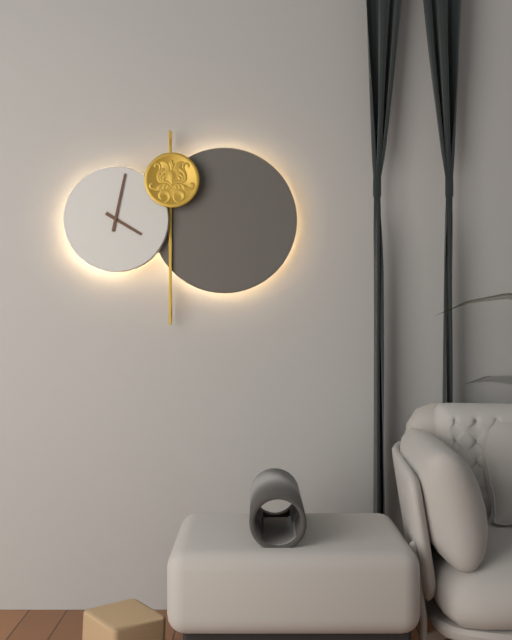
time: 4:02
